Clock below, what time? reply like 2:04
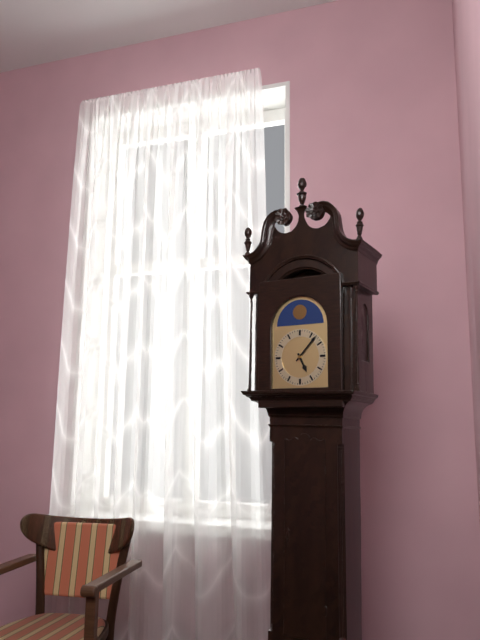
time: 5:07
